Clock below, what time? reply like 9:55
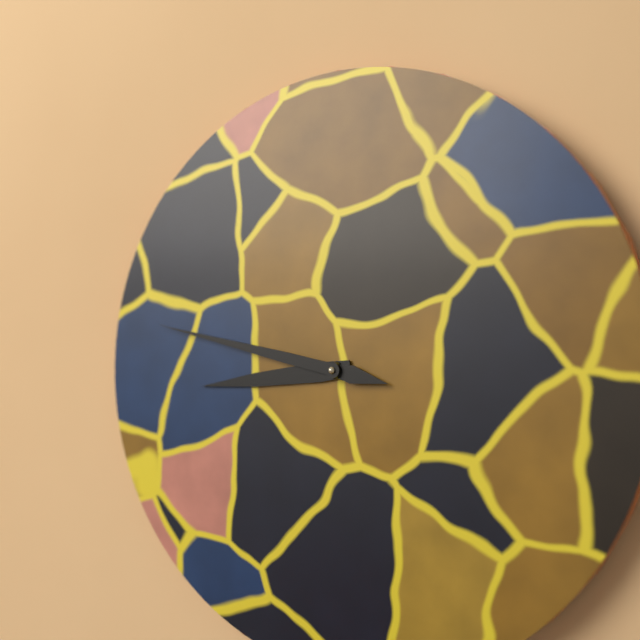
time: 8:47
